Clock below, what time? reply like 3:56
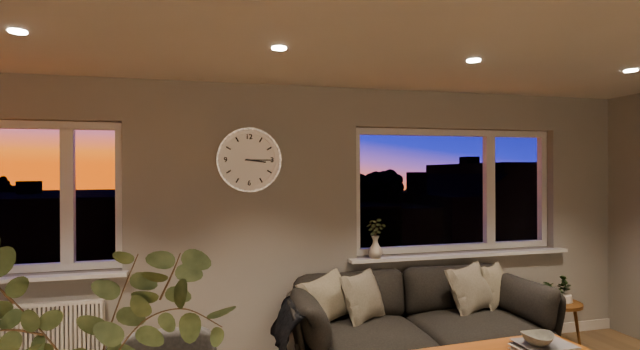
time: 3:15
